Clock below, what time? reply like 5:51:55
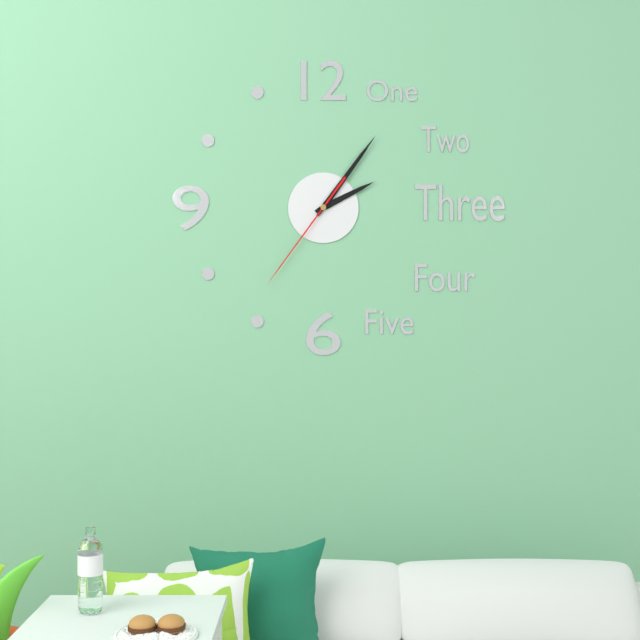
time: 2:06:36
